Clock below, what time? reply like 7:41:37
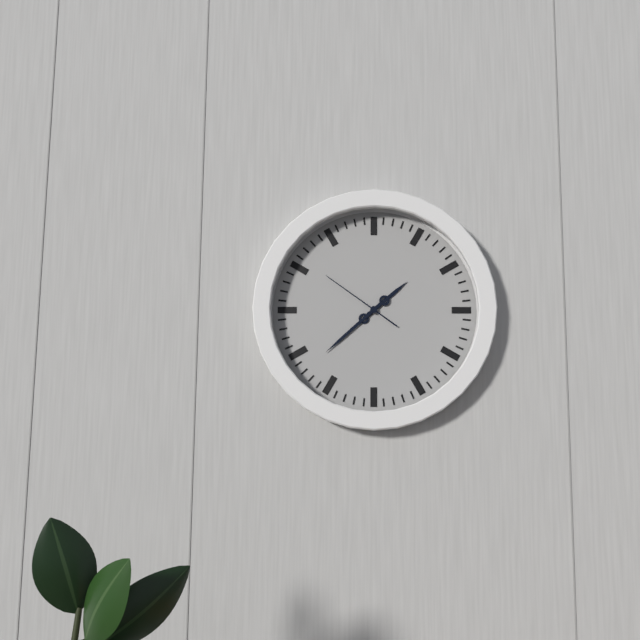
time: 1:38:51
